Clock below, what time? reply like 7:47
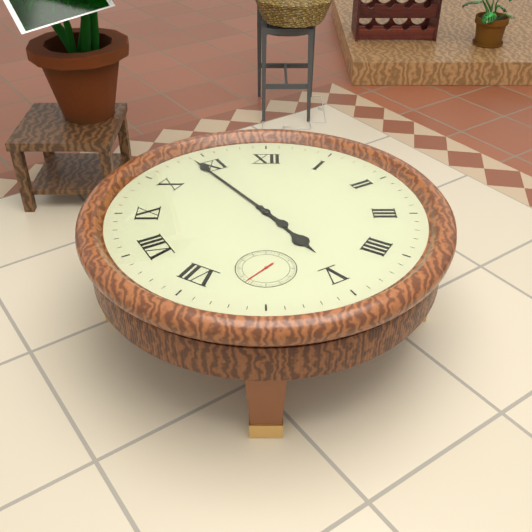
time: 4:54
